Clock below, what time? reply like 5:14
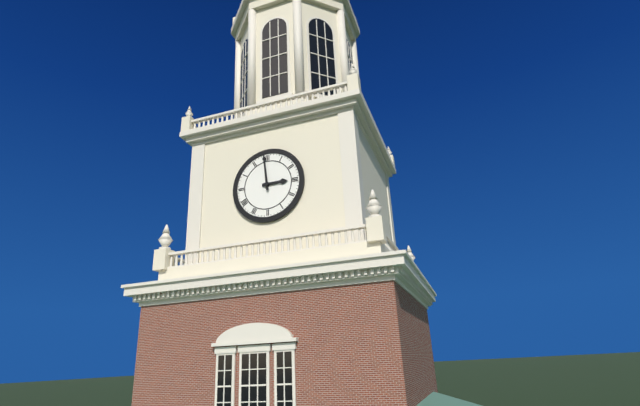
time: 2:59
